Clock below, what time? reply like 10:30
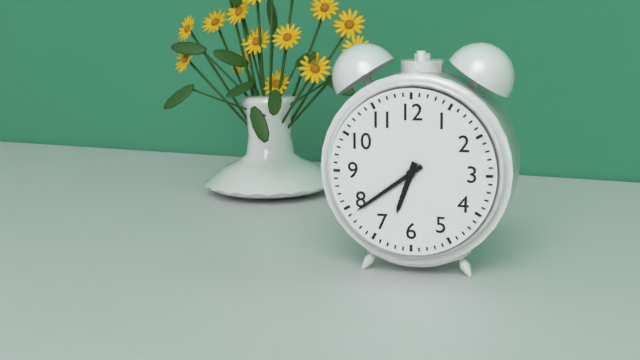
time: 6:39
